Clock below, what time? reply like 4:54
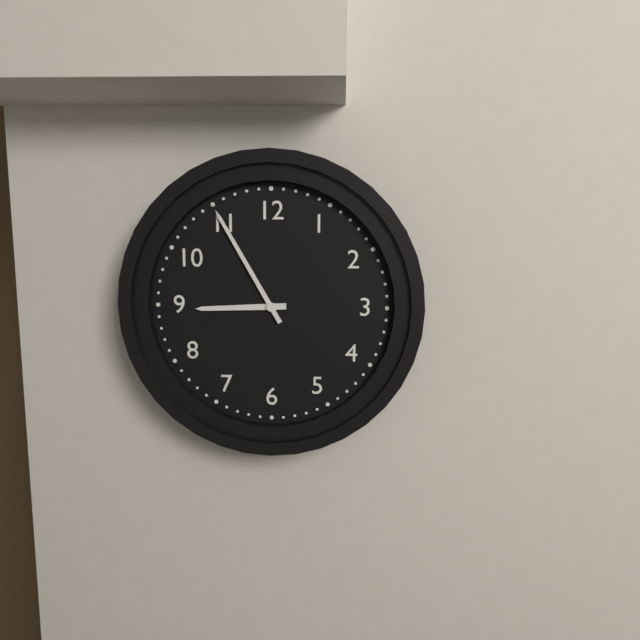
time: 8:55
